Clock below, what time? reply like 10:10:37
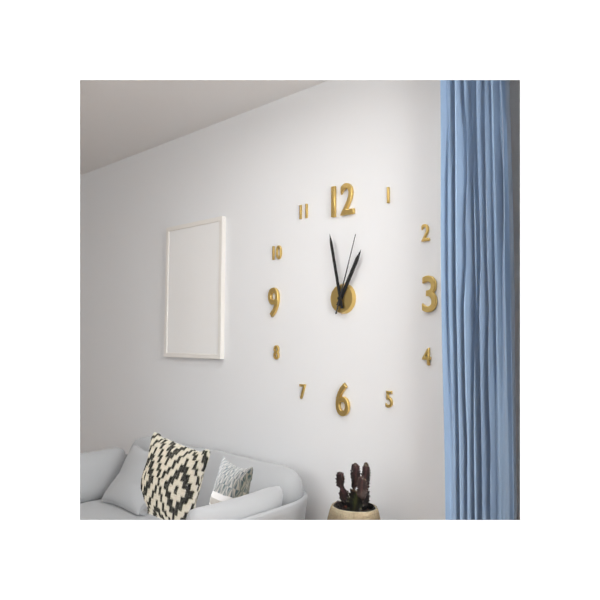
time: 12:58:03
